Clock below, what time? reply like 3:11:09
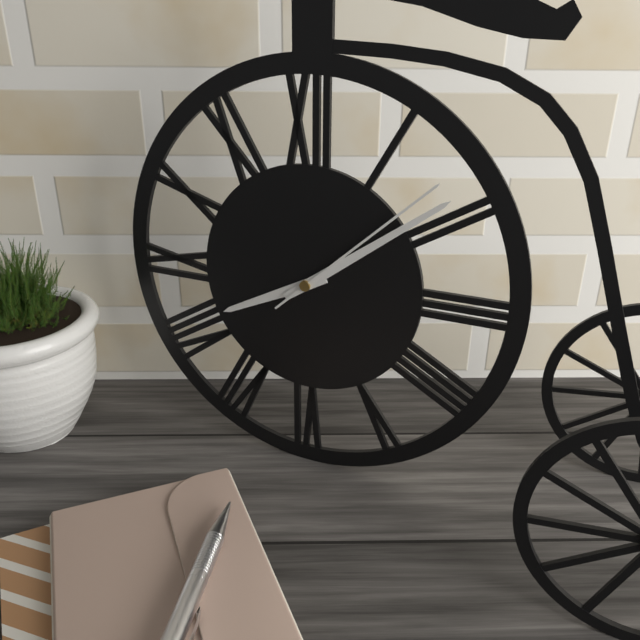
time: 8:09:08
